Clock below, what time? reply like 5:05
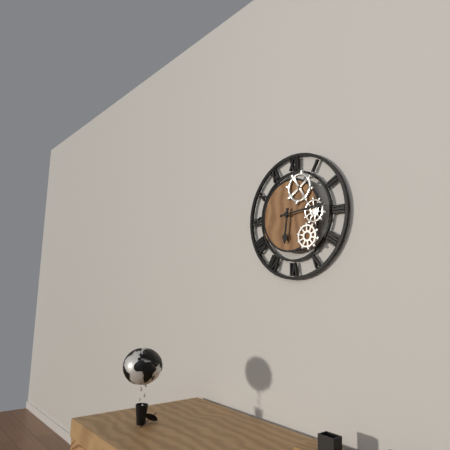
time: 6:14
